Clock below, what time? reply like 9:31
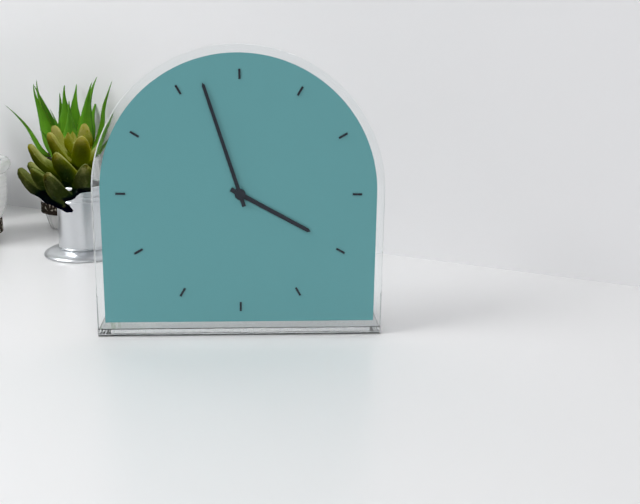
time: 3:57
